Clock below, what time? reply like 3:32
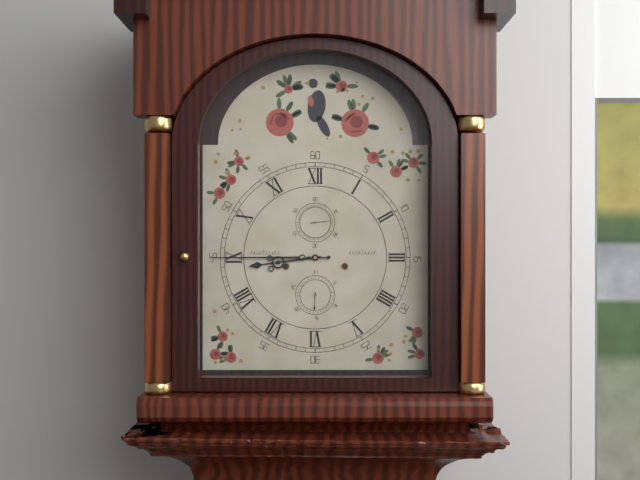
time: 8:45
